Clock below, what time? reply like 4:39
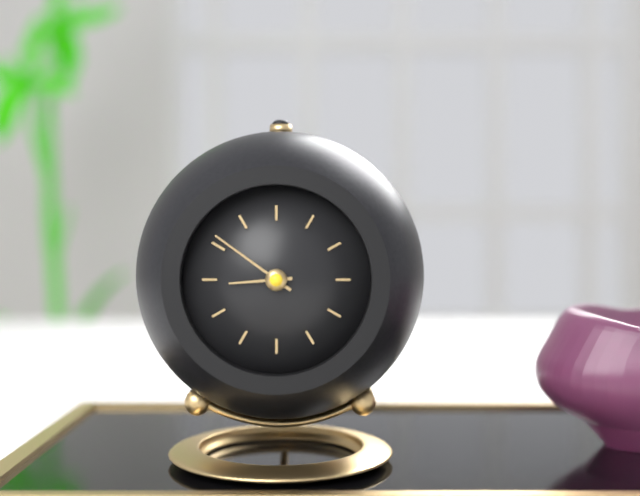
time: 8:51
